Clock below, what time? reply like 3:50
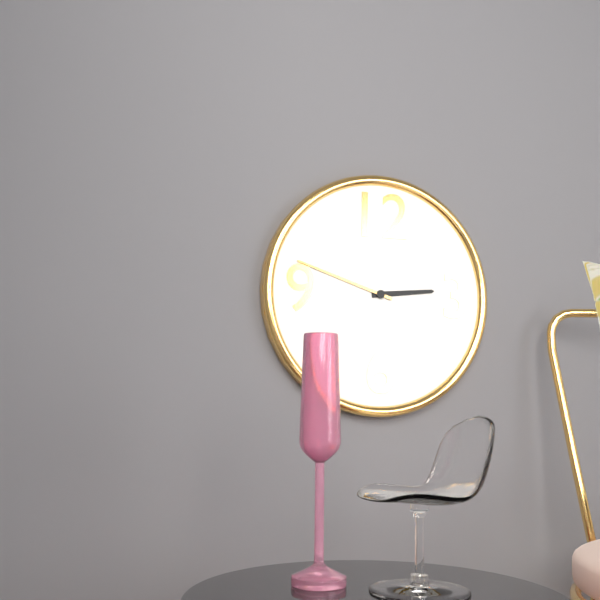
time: 2:48
